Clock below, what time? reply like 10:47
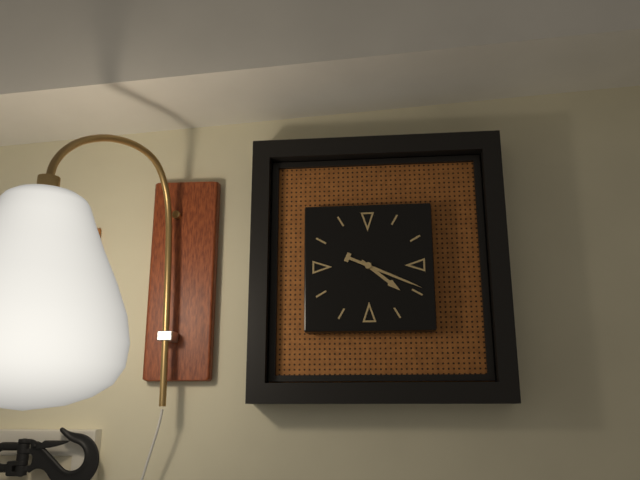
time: 4:19
